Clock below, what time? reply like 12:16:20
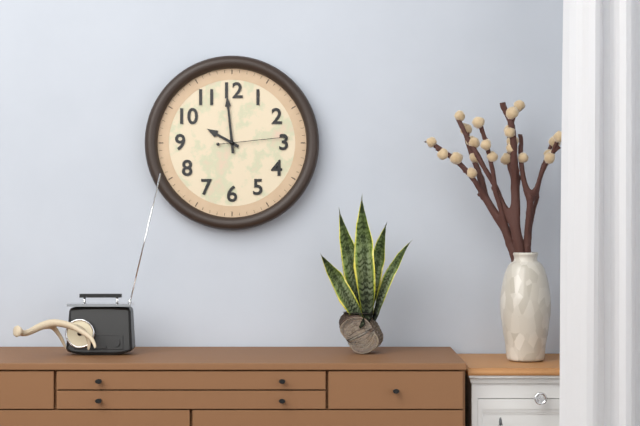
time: 9:59:14
